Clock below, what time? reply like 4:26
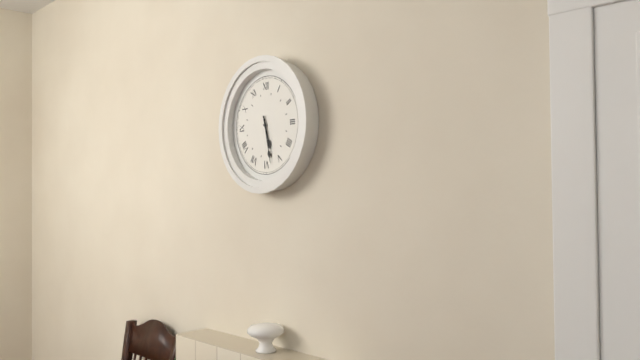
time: 5:28
